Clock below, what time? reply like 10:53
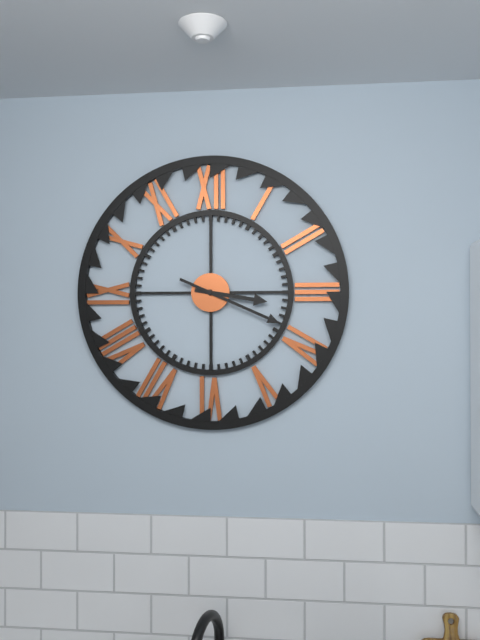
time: 3:19
